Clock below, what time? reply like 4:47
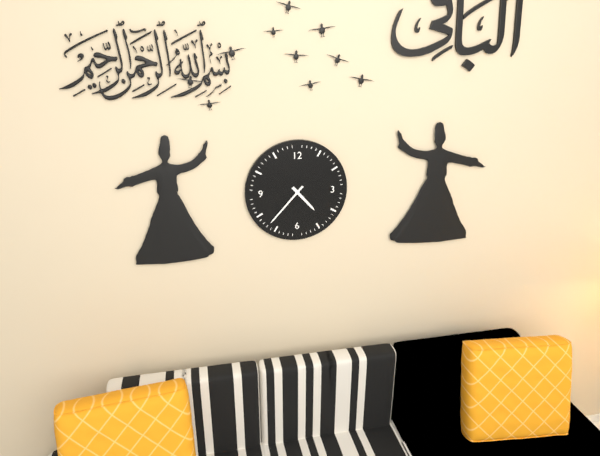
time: 4:37
